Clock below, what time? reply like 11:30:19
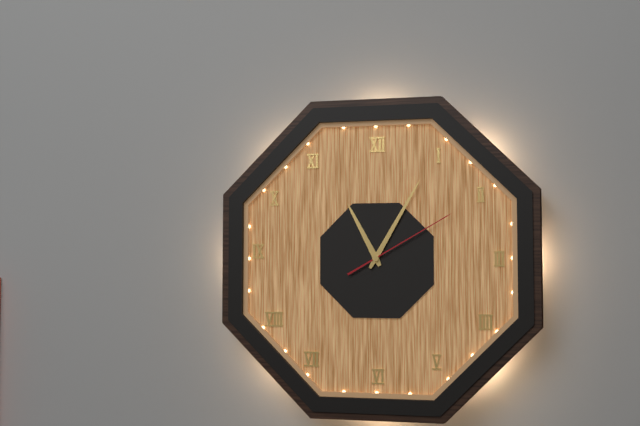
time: 11:05:10
